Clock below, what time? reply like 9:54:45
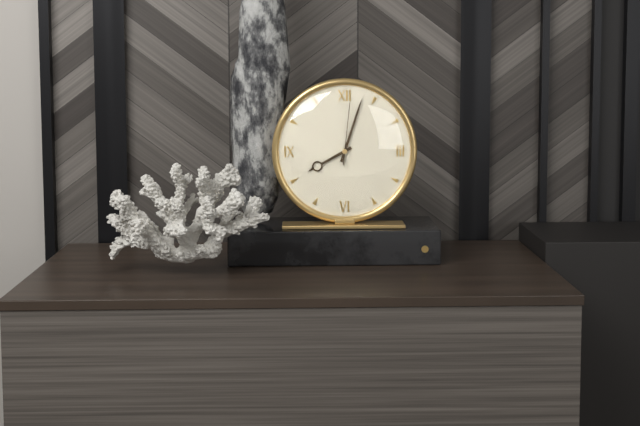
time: 8:03:01
